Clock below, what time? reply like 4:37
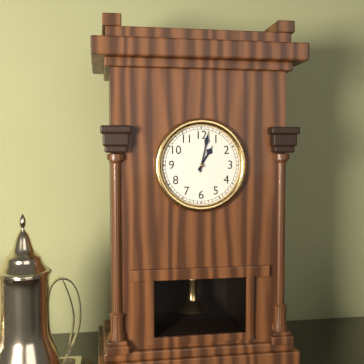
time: 1:02
